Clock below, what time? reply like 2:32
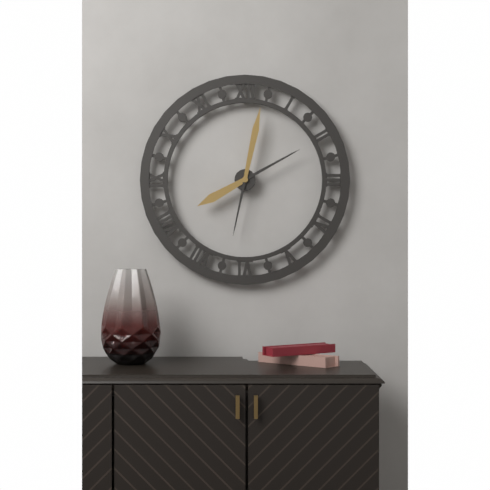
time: 8:02
